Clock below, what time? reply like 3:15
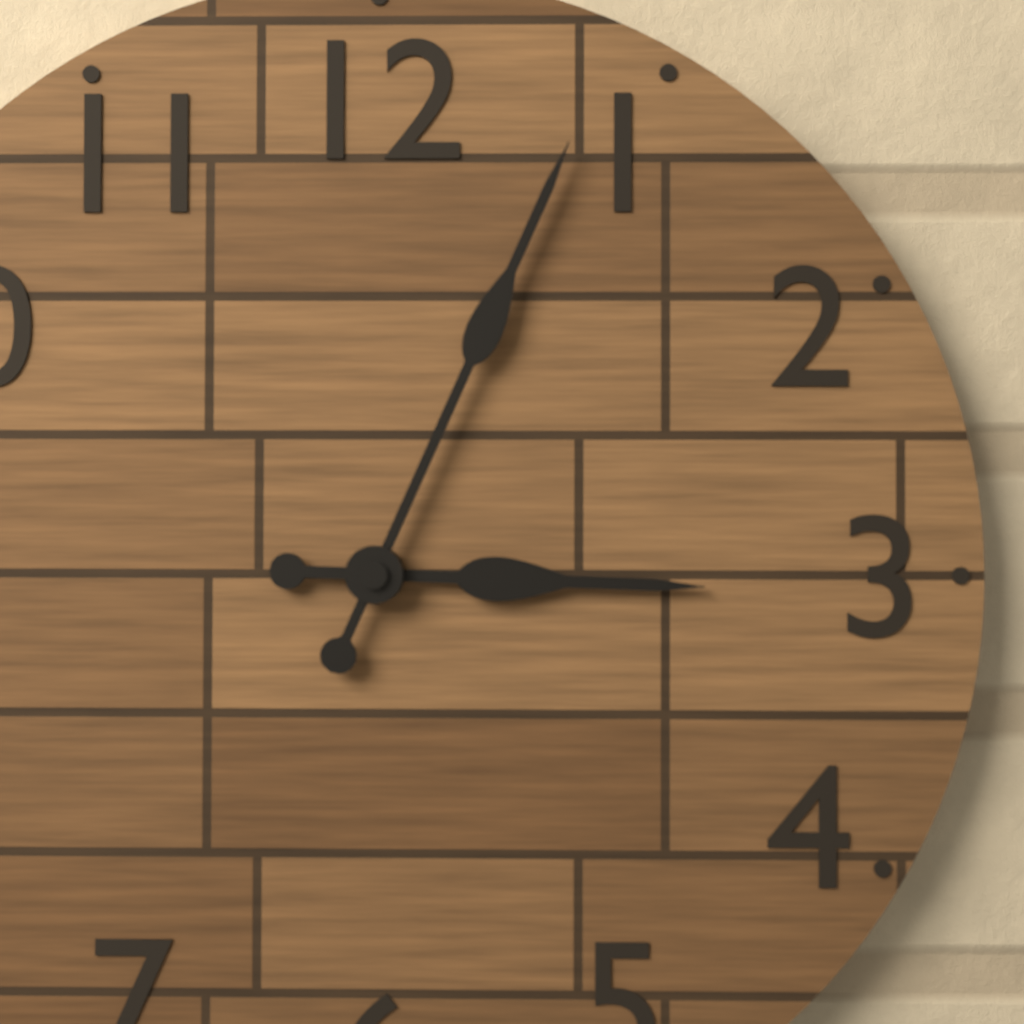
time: 3:04
